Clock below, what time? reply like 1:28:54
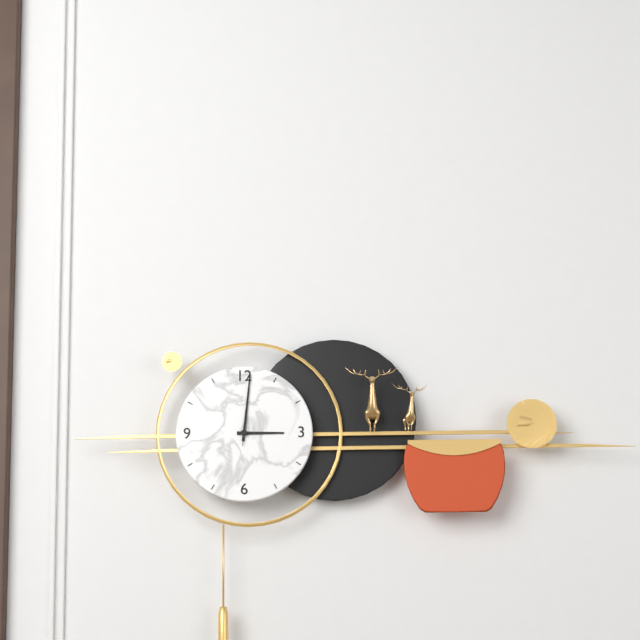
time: 3:01:01
